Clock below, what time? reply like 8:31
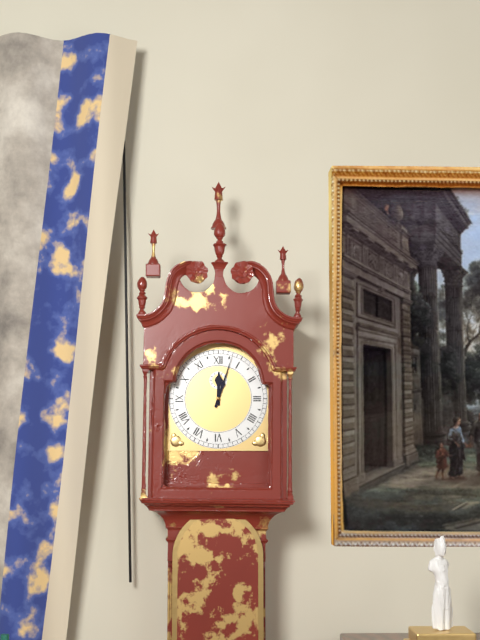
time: 12:03
